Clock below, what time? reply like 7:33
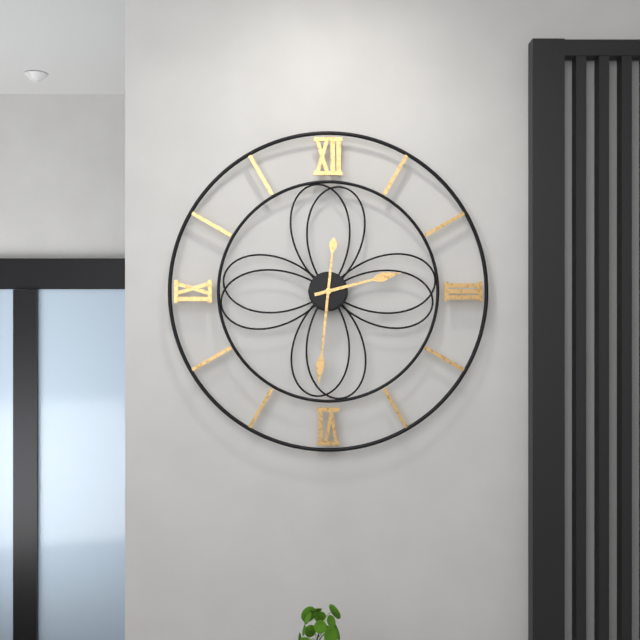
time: 2:31
